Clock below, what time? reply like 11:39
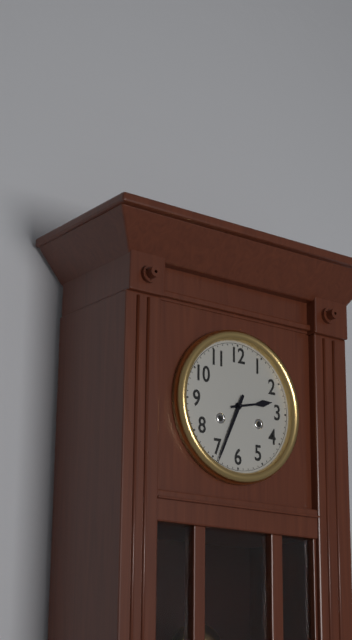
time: 2:34
